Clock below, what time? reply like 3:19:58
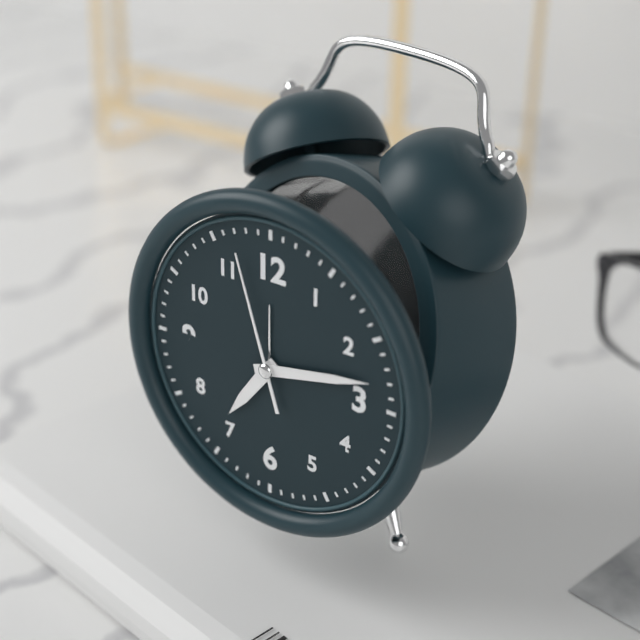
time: 7:13:57
